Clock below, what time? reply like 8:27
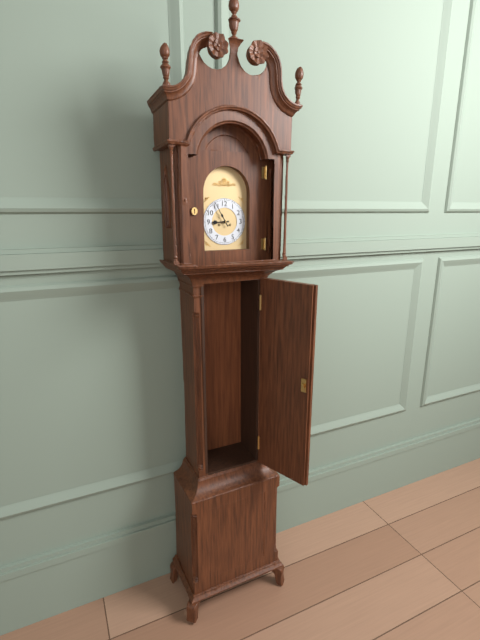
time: 8:55
